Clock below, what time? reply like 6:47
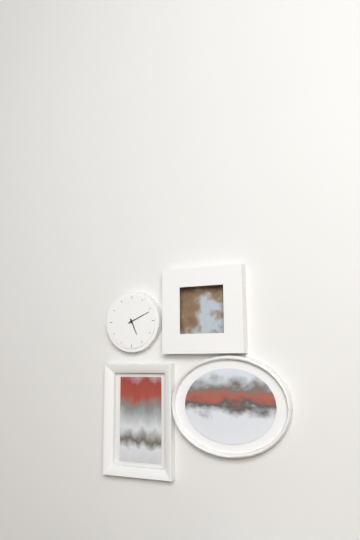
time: 5:11
